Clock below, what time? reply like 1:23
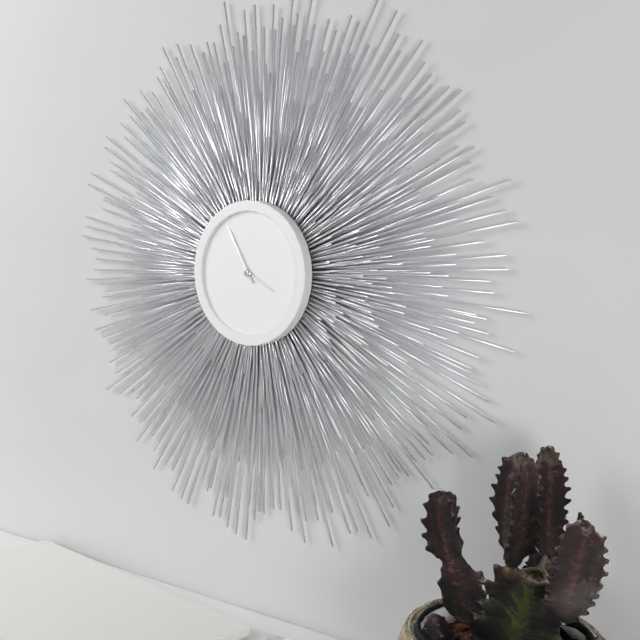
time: 3:55
